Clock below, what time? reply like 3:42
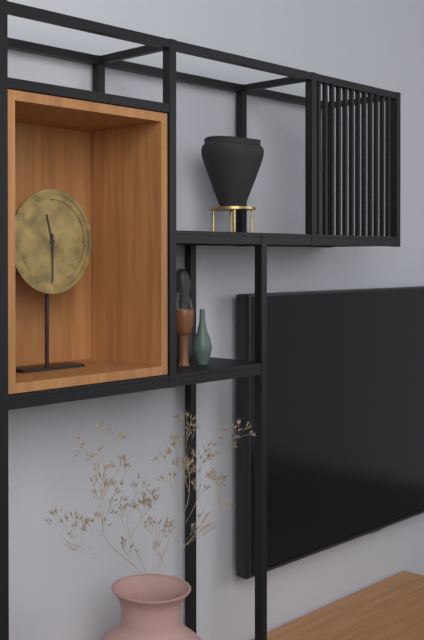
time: 11:30
